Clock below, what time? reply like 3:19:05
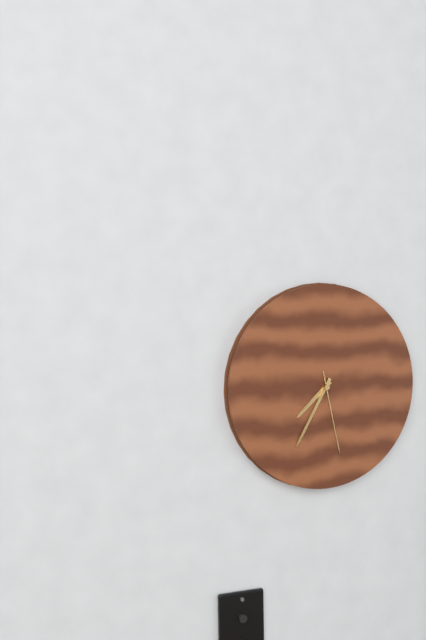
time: 7:35:28
